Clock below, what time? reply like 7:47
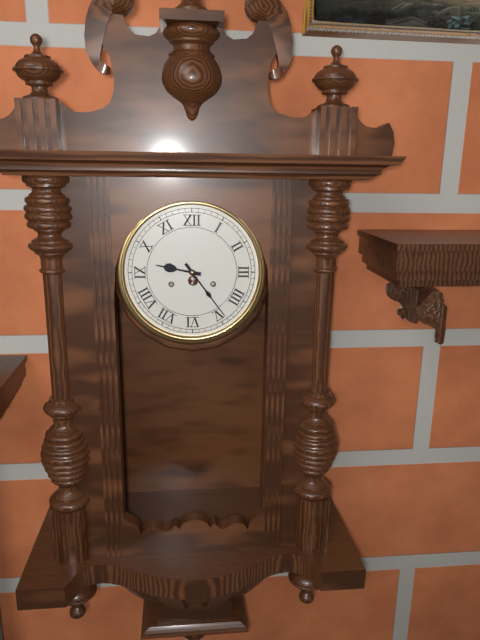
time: 9:24
